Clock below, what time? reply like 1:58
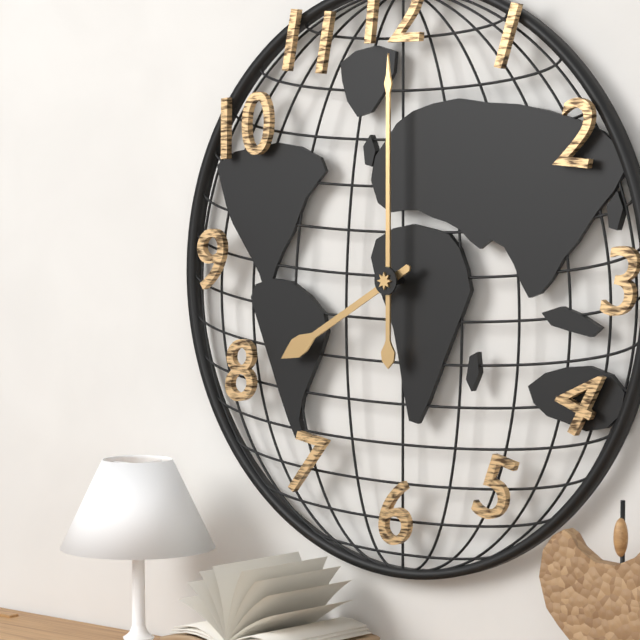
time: 8:00
